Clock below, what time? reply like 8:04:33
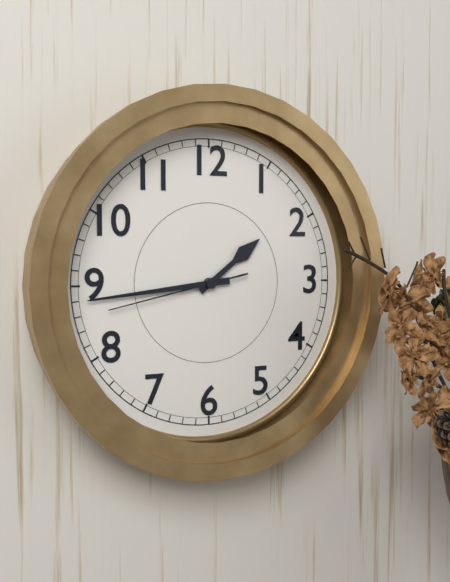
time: 1:44:43
